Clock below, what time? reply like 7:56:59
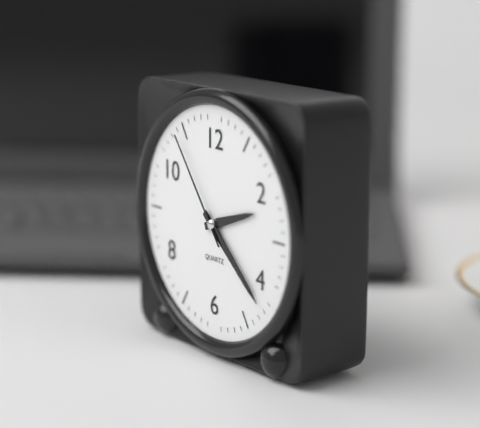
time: 2:22:54
